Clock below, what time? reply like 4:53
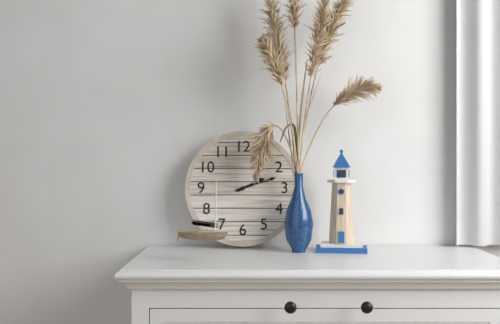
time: 2:12
